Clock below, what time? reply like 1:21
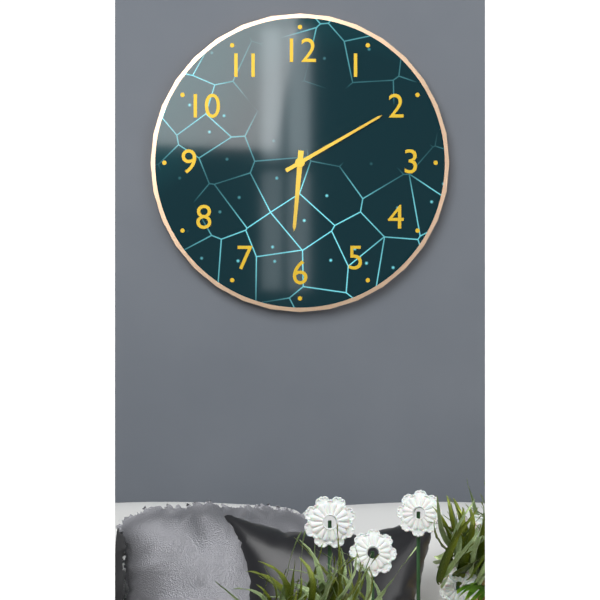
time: 6:10
